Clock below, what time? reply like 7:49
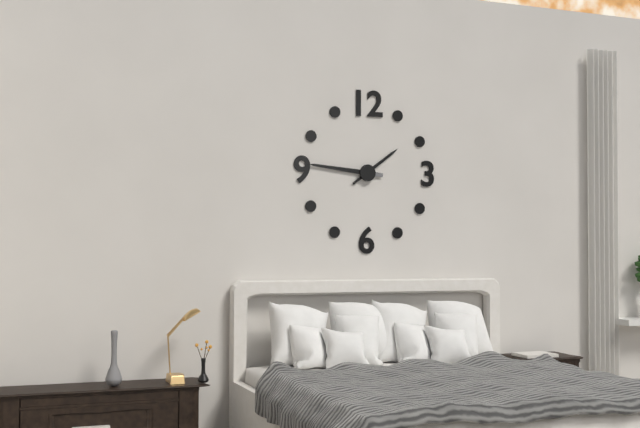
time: 1:46
